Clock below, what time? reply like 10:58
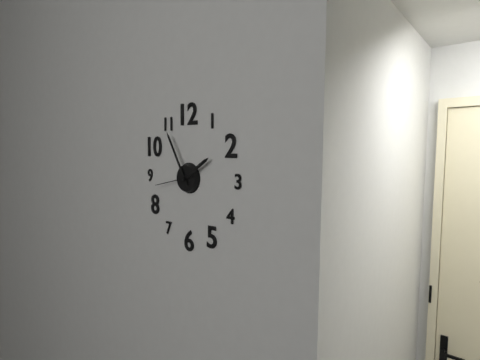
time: 1:55
